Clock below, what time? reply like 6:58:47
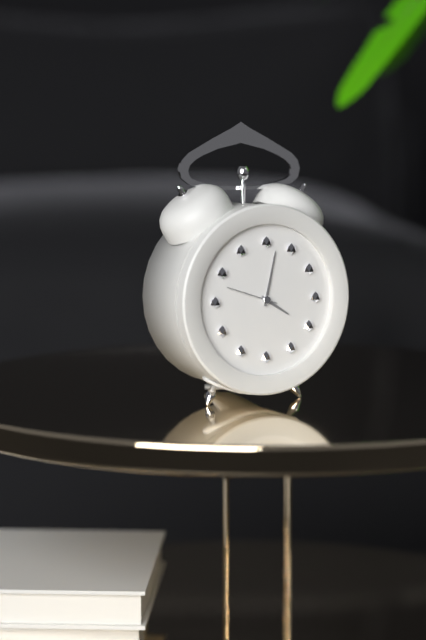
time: 4:02:48
